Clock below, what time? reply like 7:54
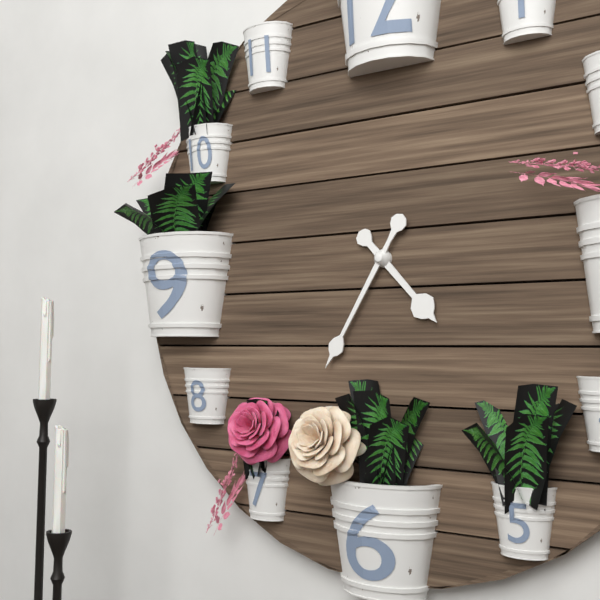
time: 4:35
